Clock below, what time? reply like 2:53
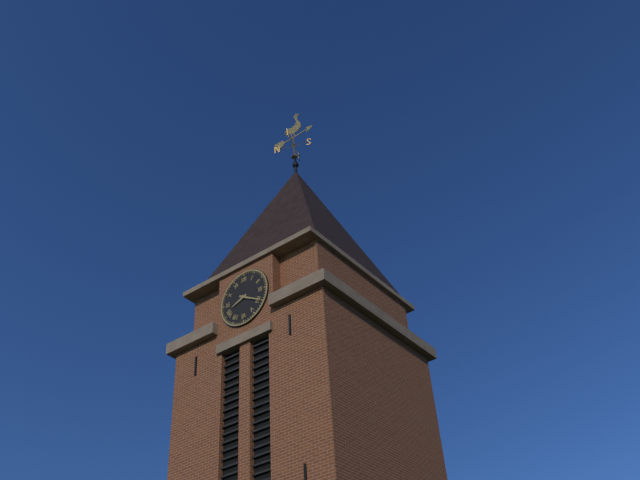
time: 8:20
